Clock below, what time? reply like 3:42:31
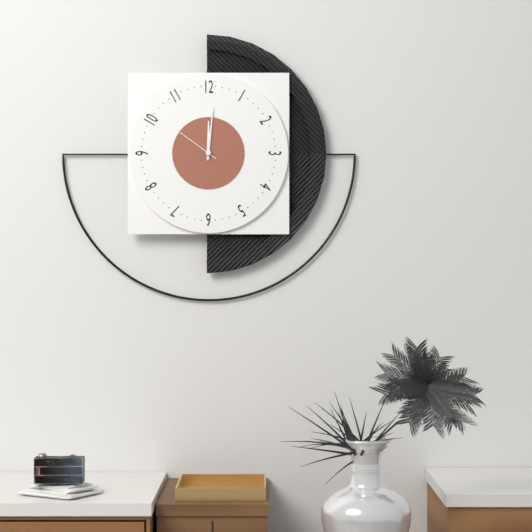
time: 12:01:51
